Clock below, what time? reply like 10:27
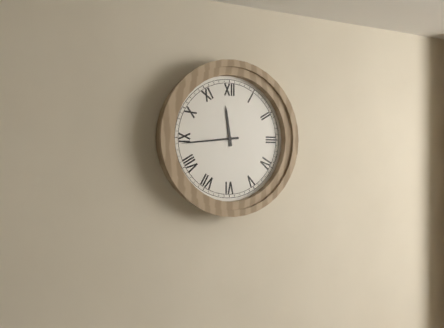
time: 11:44
